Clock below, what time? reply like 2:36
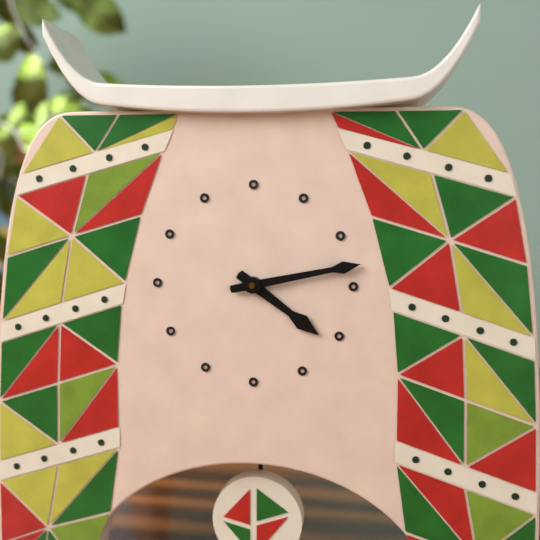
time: 4:13
